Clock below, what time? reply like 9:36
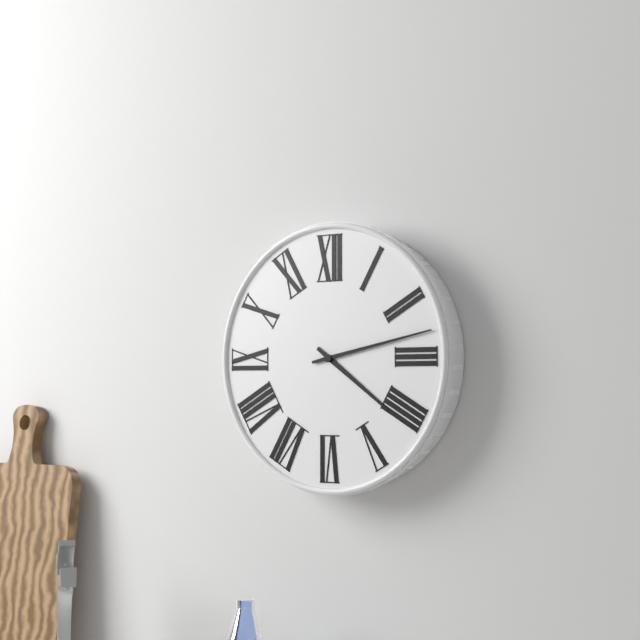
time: 4:13
